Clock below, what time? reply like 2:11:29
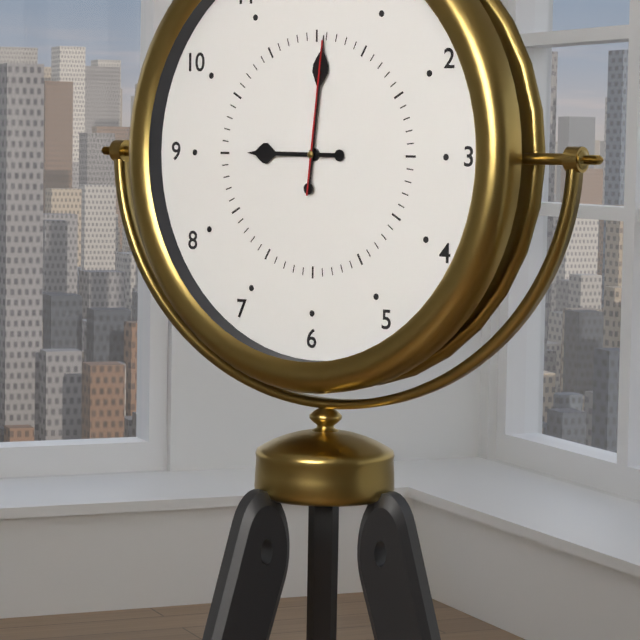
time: 9:01:01
